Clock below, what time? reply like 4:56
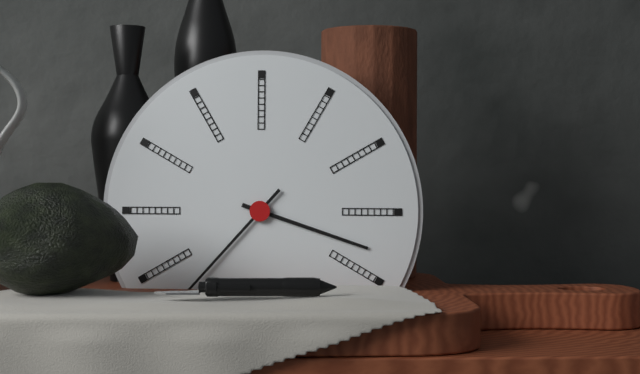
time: 3:37
